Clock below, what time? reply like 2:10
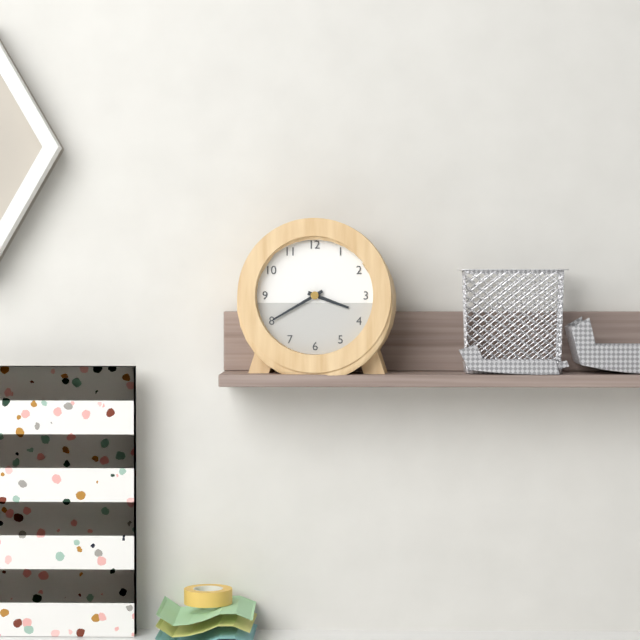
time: 3:40
